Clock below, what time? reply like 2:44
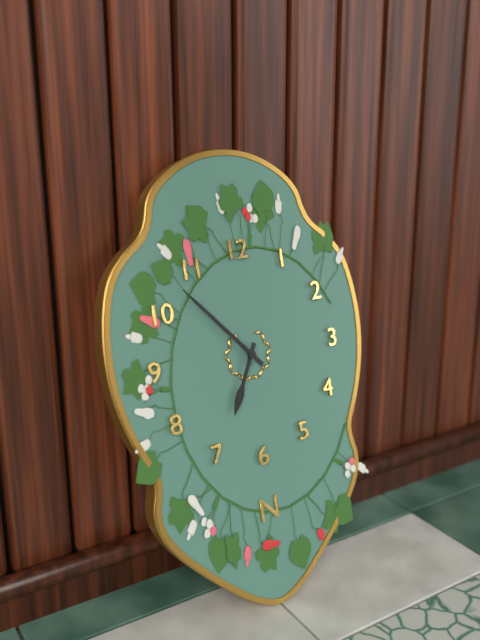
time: 6:53
